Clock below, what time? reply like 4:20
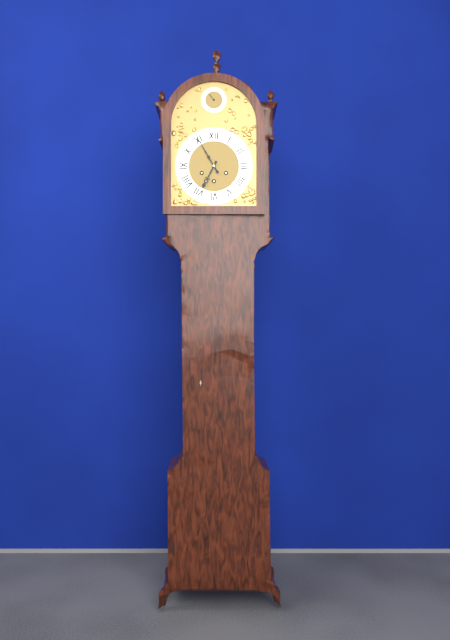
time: 6:55
